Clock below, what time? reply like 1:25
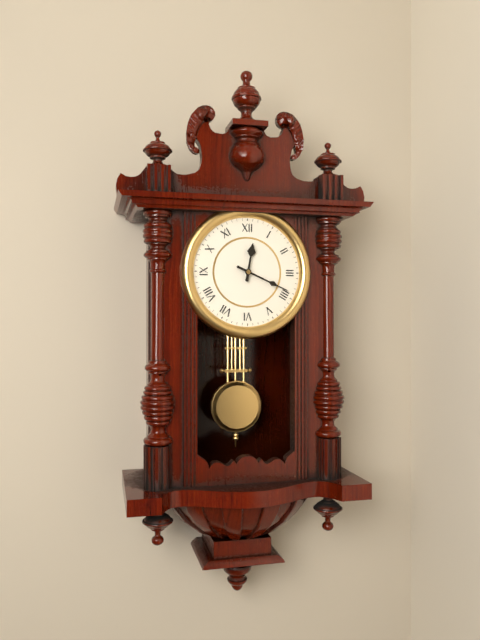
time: 12:19
